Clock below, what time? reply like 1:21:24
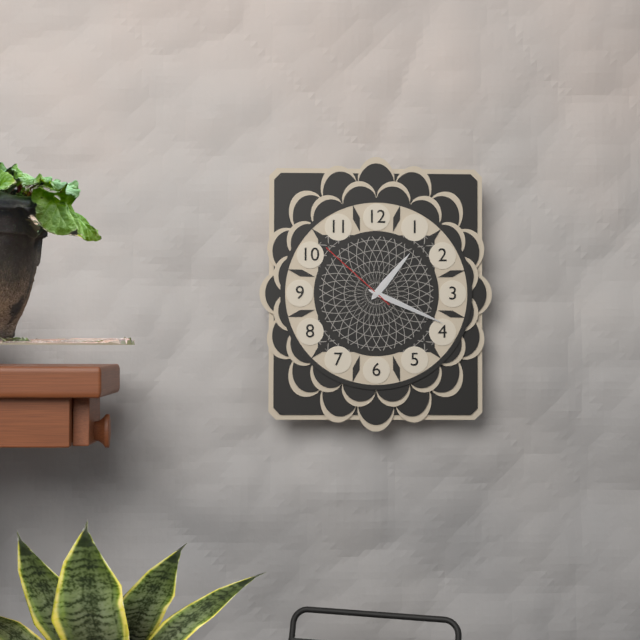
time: 1:19:52
